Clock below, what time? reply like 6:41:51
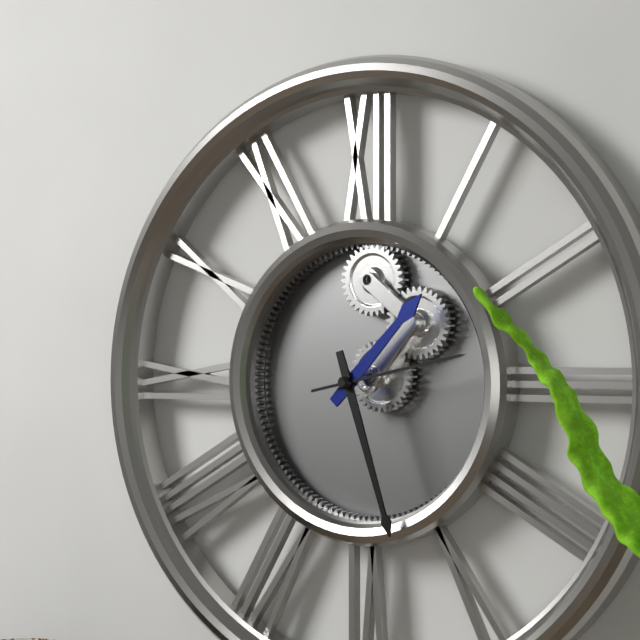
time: 1:27:13
